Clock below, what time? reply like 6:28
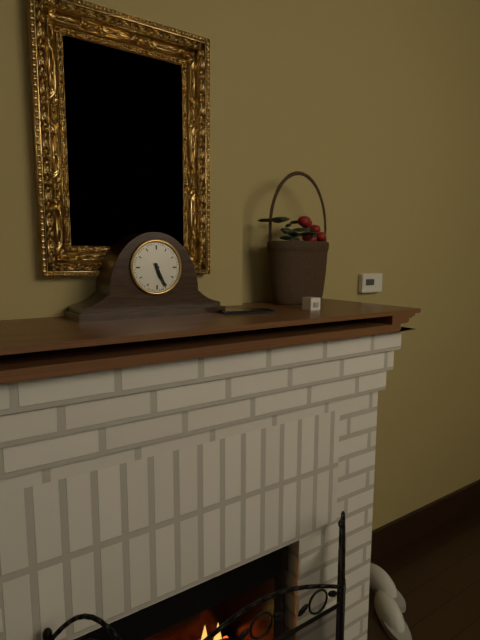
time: 5:26
